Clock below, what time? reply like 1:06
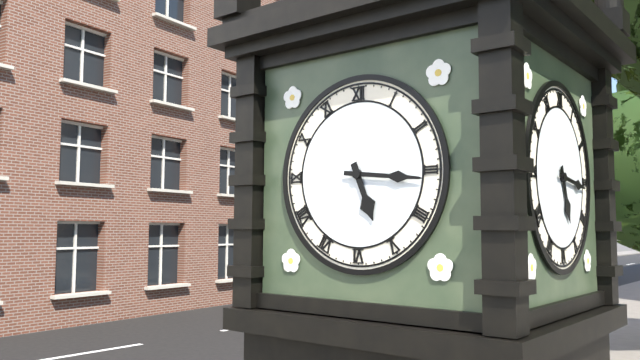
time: 5:16
